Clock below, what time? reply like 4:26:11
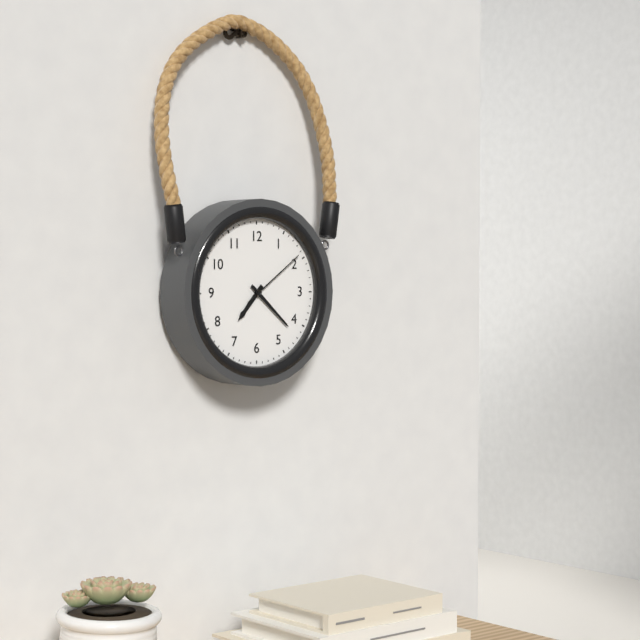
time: 7:22:09
